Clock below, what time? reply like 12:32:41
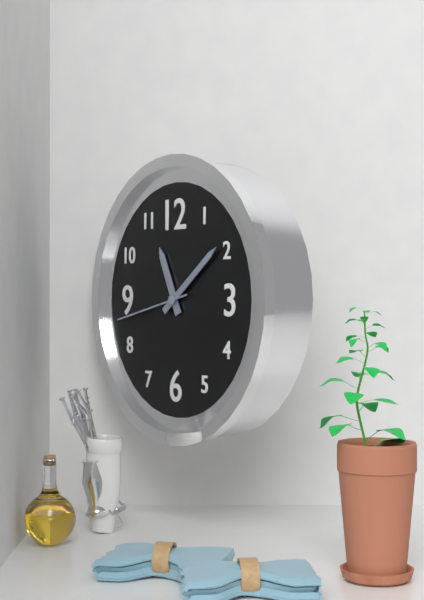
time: 11:09:43
